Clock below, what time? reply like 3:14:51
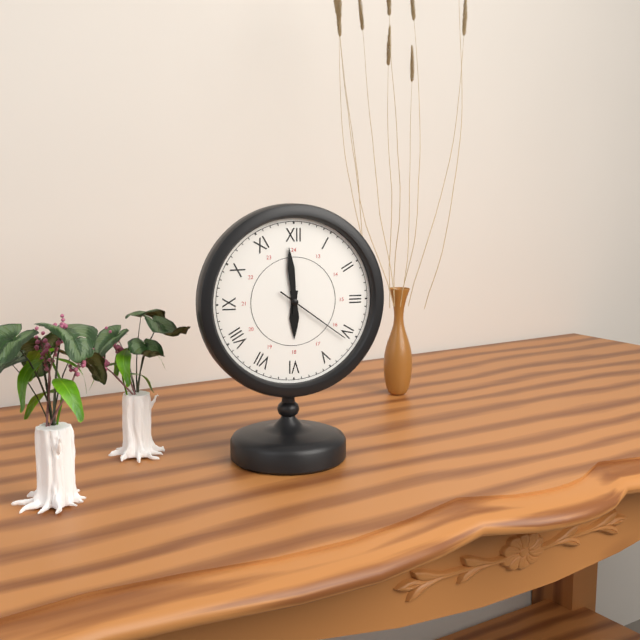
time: 5:59:21
